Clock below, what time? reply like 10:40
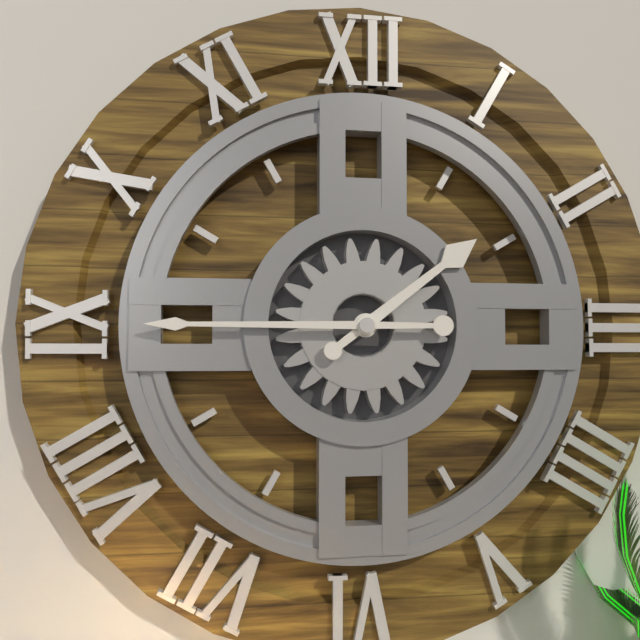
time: 1:45
